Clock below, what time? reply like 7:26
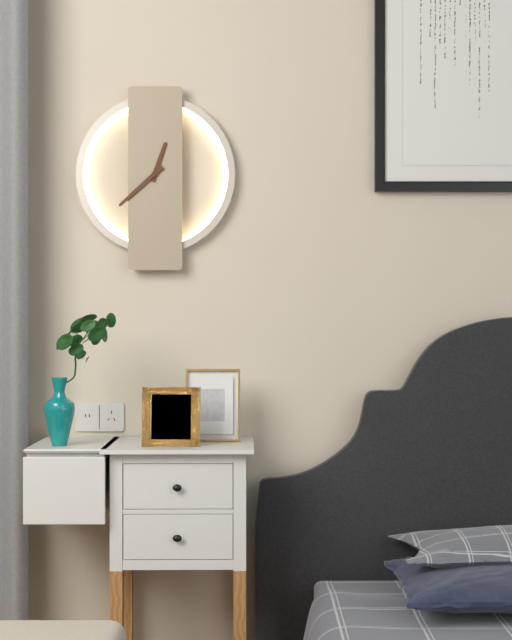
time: 12:38
